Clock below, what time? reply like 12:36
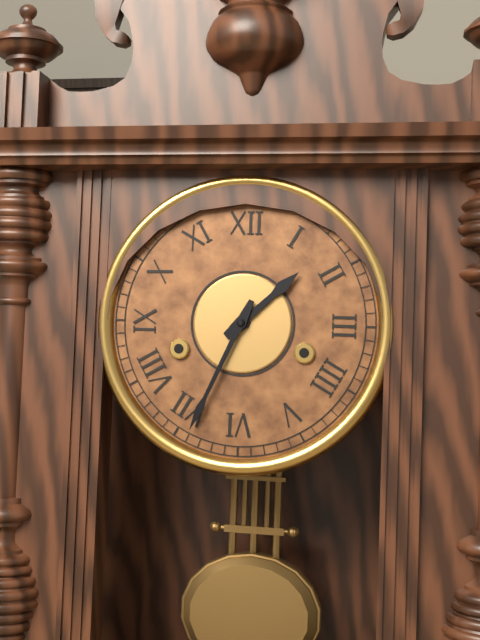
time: 1:34
